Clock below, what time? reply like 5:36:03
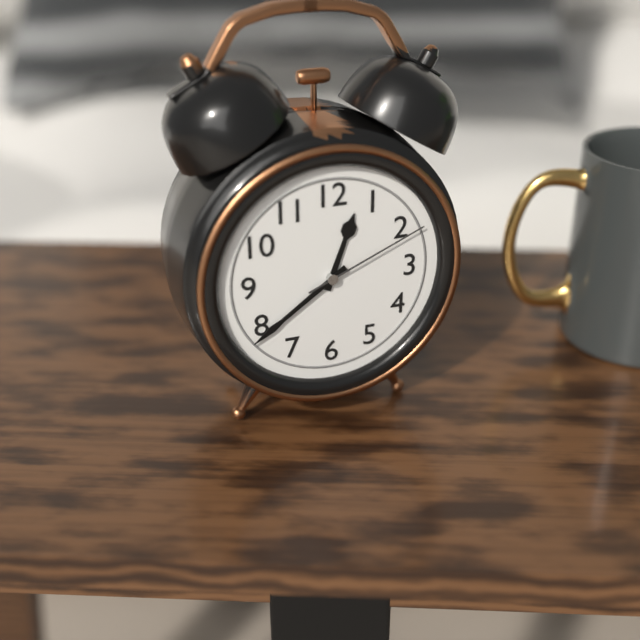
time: 12:39:11
